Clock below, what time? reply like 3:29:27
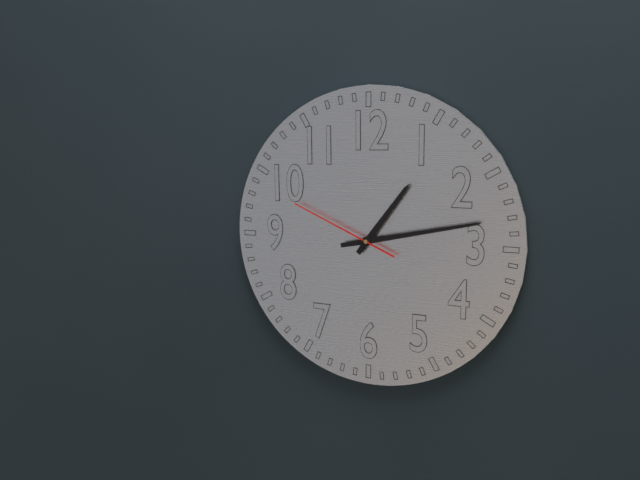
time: 1:13:49
